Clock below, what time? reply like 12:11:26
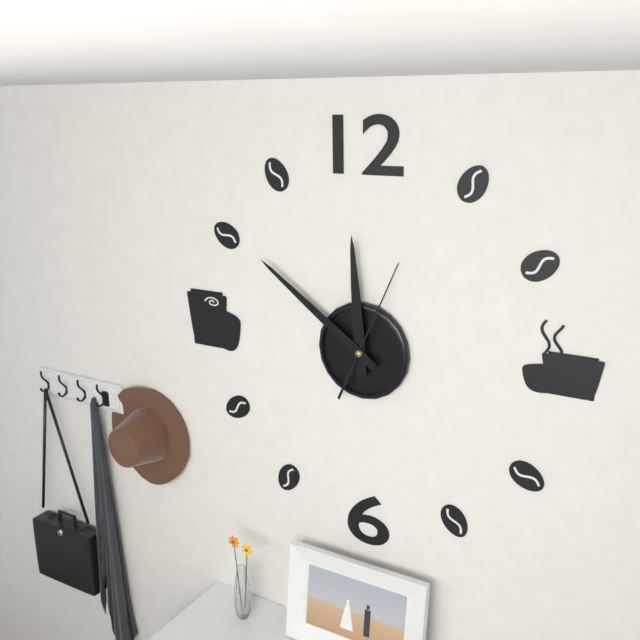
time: 11:51:04
